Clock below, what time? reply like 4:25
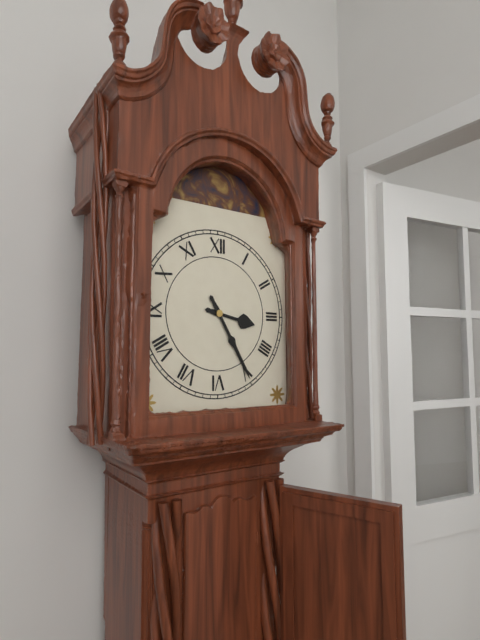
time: 3:25
